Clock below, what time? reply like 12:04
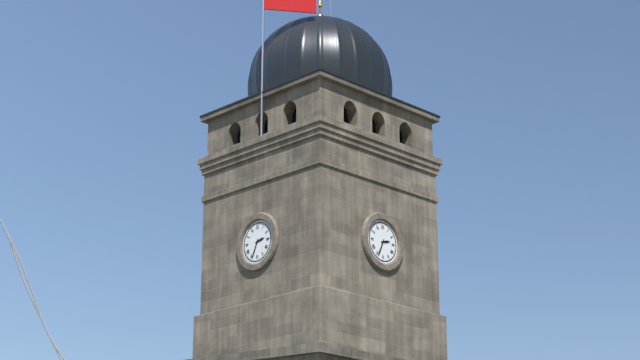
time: 2:34
